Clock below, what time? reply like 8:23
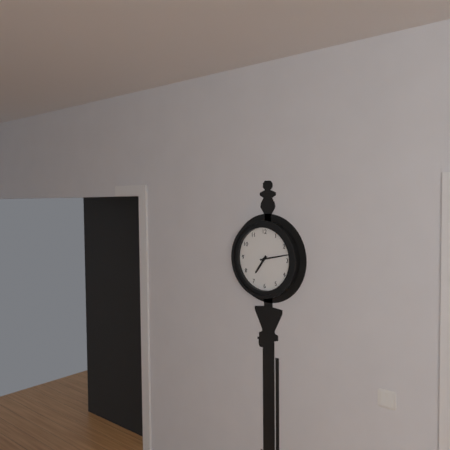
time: 7:13
